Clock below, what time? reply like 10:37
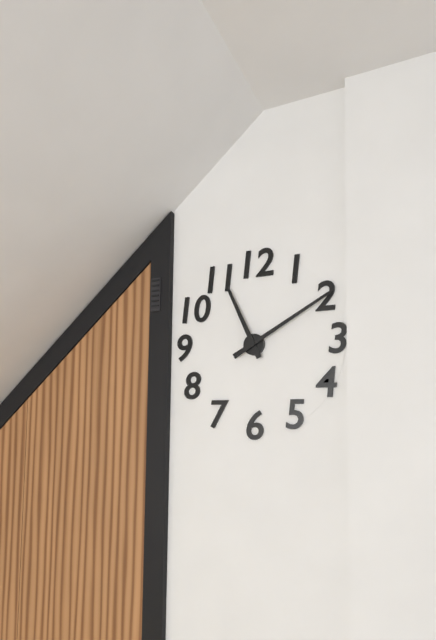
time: 11:10
